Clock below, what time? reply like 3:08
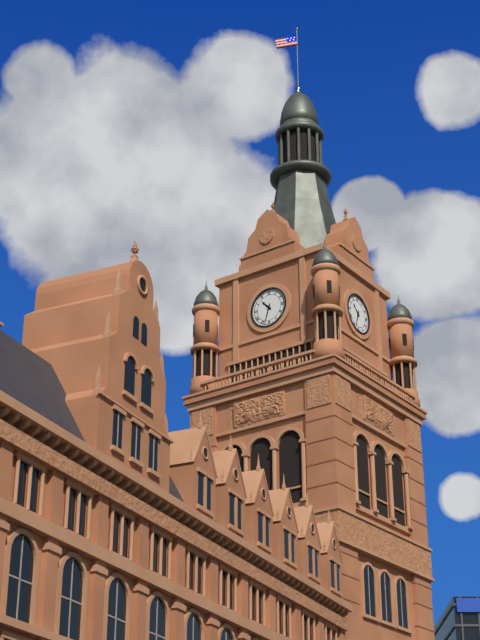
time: 10:33
